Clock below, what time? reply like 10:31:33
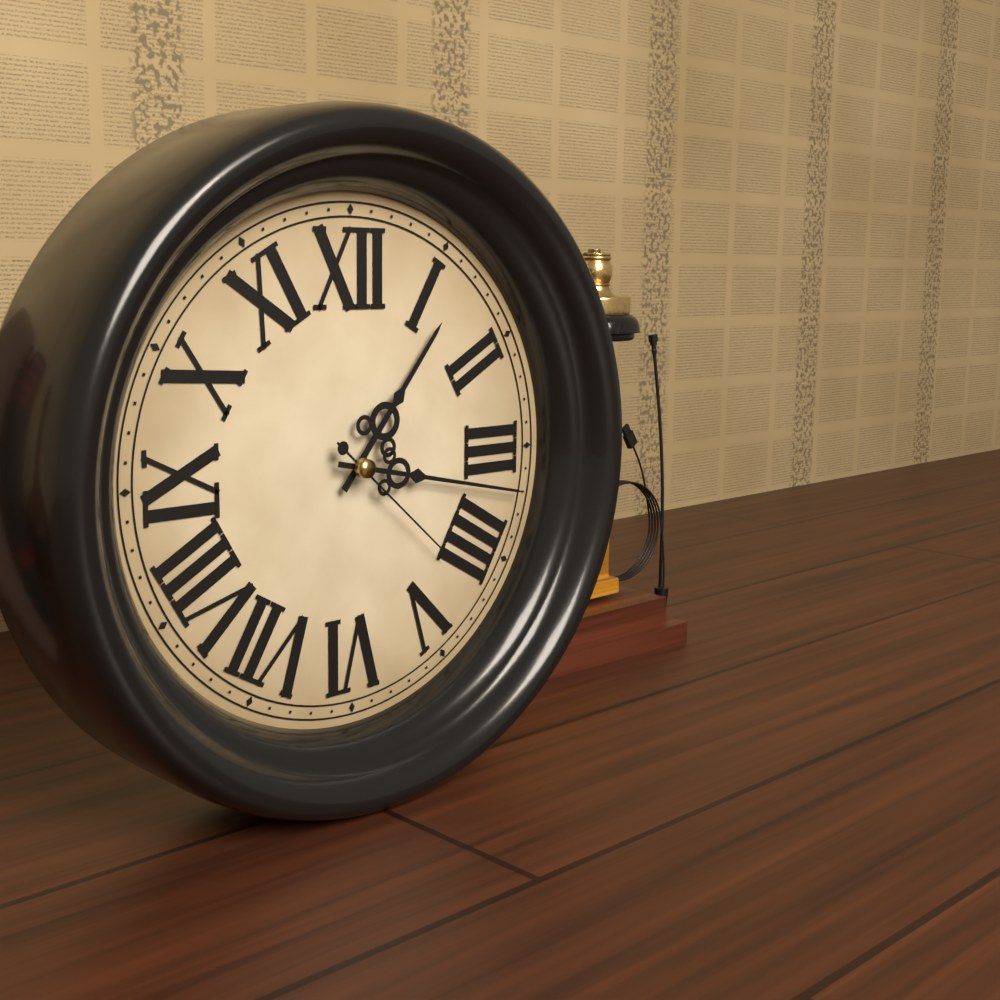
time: 1:17:22
